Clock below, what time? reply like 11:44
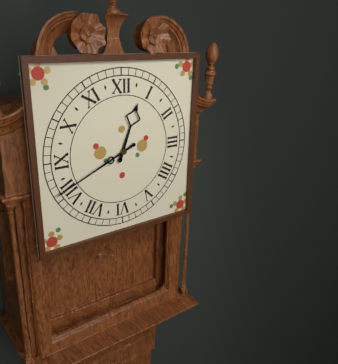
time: 12:41
